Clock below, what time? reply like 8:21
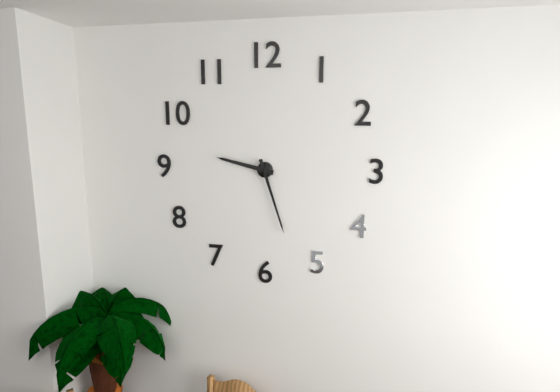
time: 9:27
